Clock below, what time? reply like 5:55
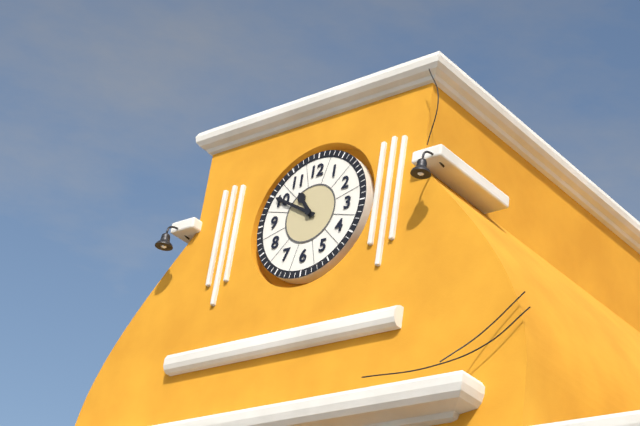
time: 10:50
